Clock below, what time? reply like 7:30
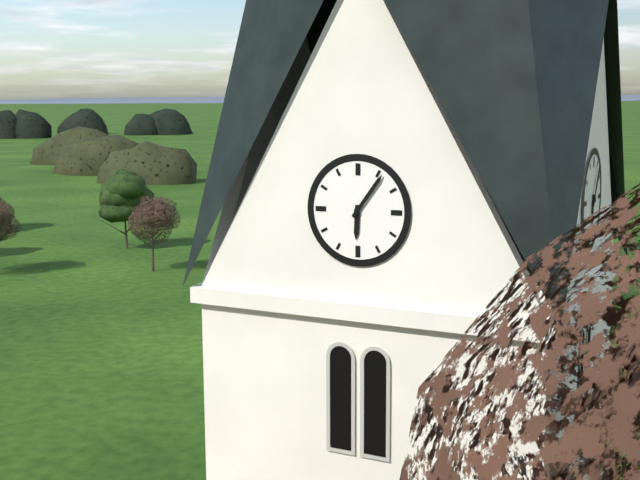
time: 6:06
